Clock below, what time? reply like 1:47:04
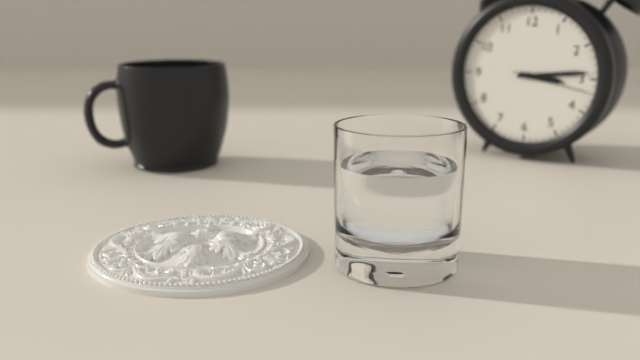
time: 3:14:17
